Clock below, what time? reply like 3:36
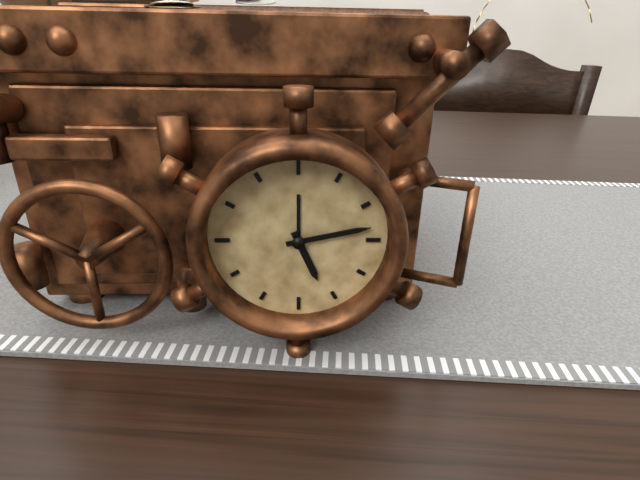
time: 5:13
